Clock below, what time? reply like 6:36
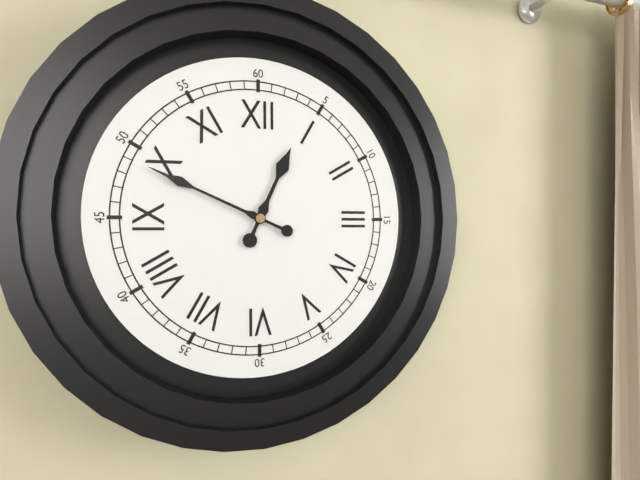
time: 12:49
